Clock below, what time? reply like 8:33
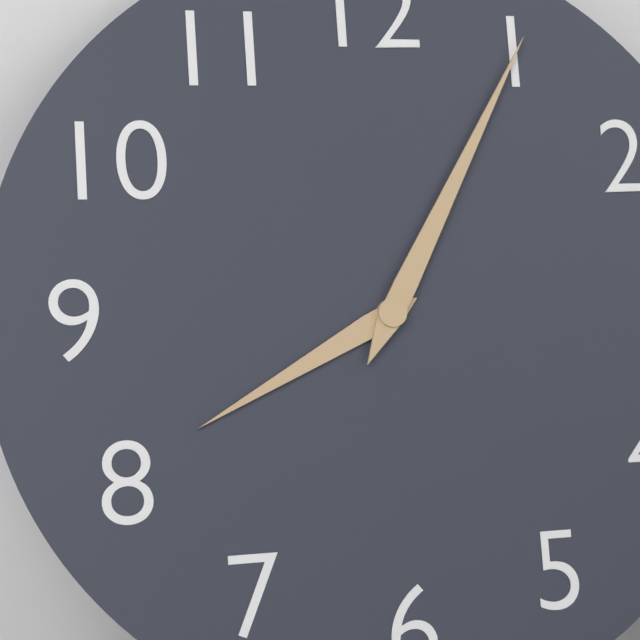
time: 8:05
